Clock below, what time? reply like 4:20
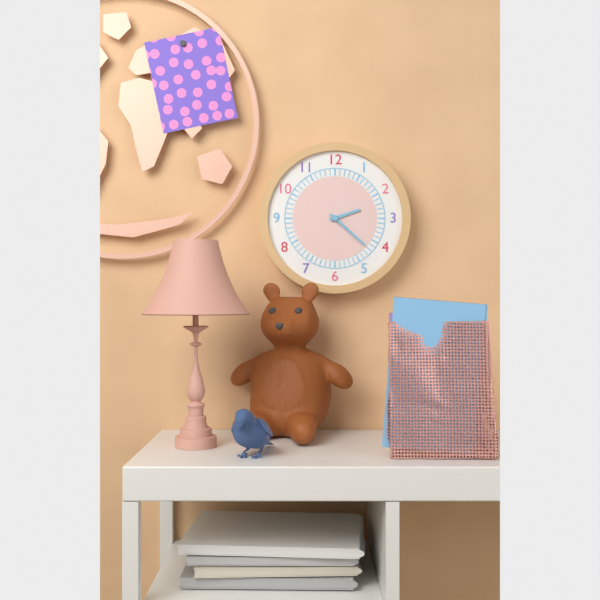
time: 2:22
